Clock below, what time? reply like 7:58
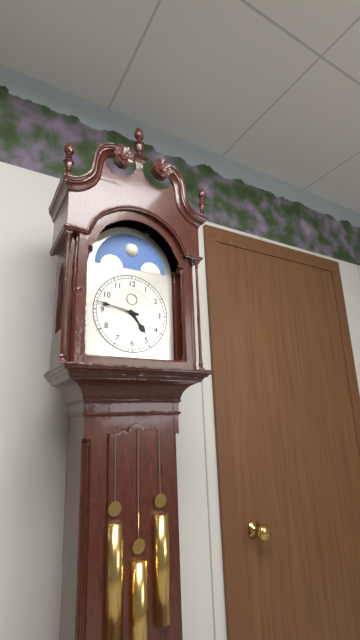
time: 4:47
